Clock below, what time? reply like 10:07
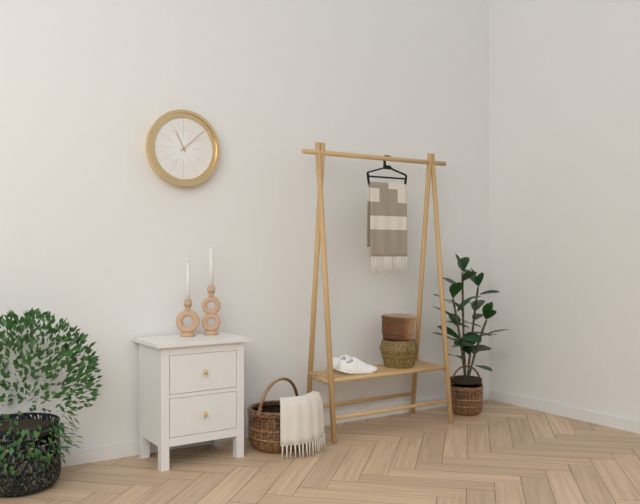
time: 11:08
